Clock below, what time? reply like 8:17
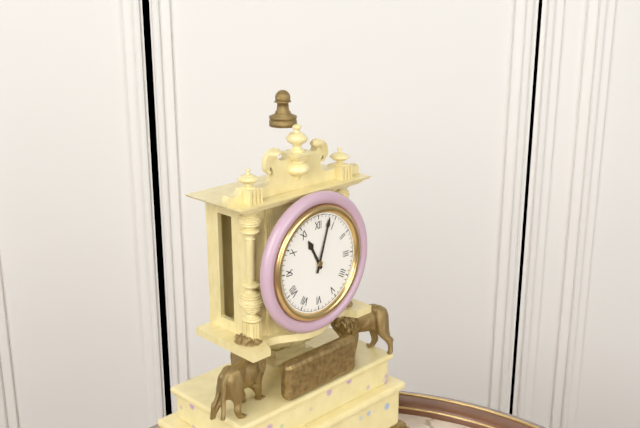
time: 11:03
